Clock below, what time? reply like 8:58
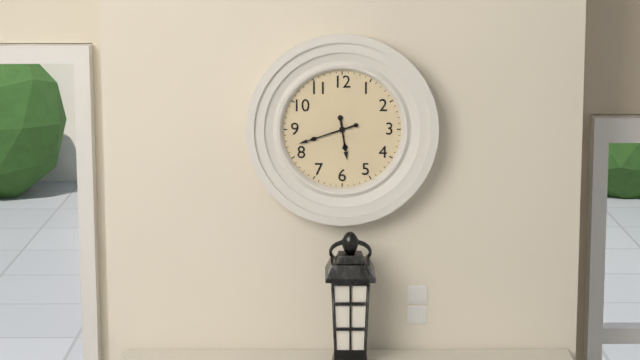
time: 5:42
